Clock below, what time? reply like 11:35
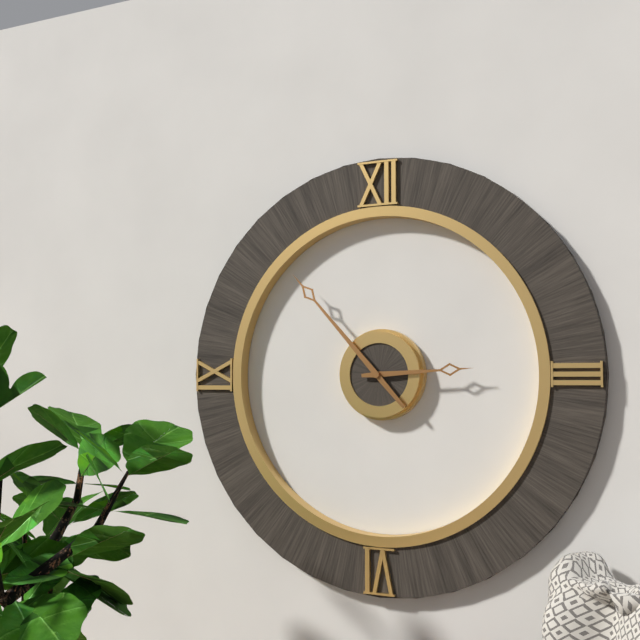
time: 2:53
